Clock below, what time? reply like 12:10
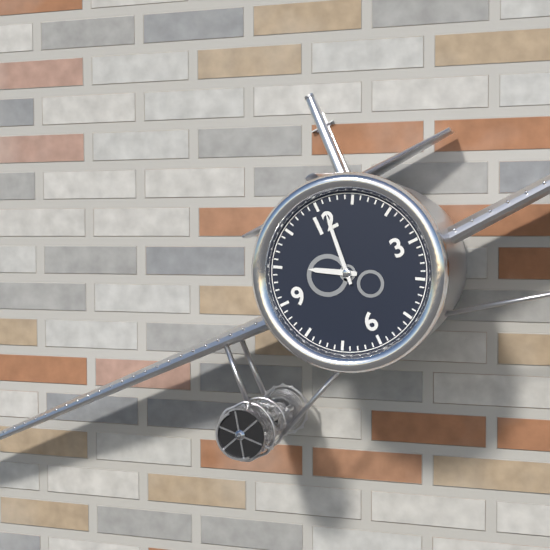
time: 10:01
